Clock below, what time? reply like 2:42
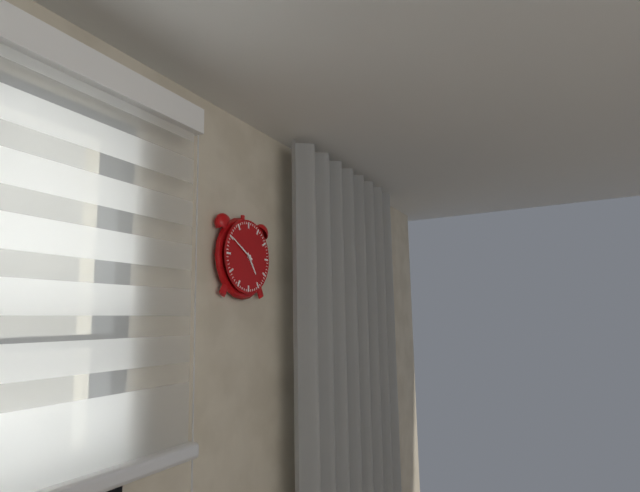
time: 4:50
